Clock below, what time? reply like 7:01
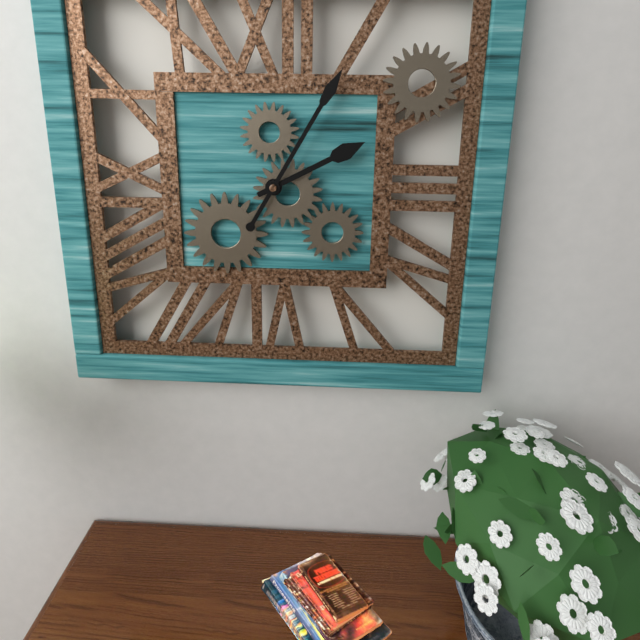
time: 2:05
